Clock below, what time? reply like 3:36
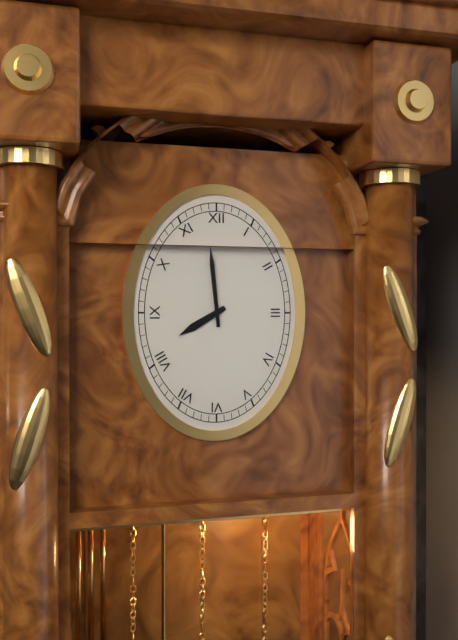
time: 7:59
